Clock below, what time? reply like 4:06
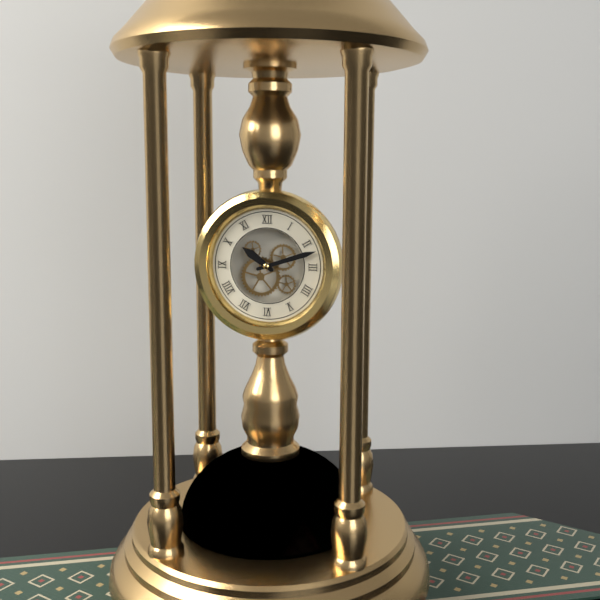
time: 10:12
